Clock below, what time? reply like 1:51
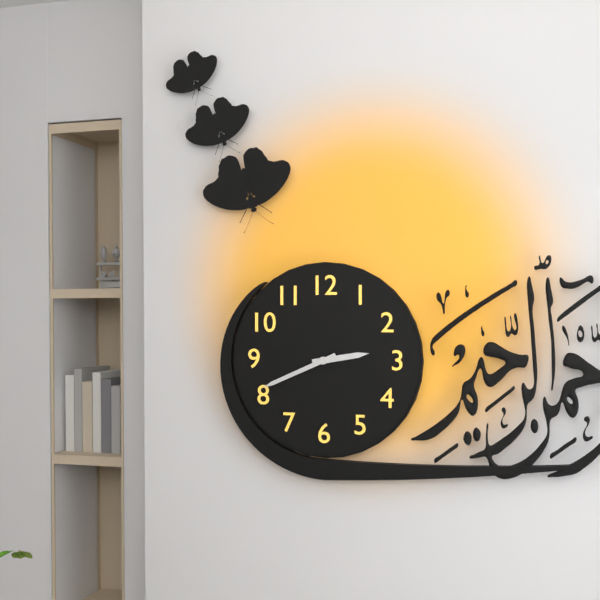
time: 2:41
